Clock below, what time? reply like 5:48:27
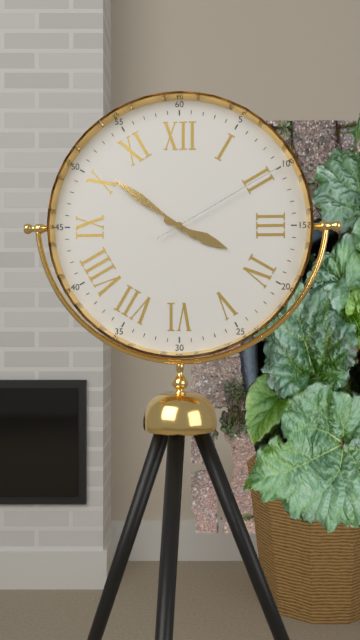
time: 3:51:10
